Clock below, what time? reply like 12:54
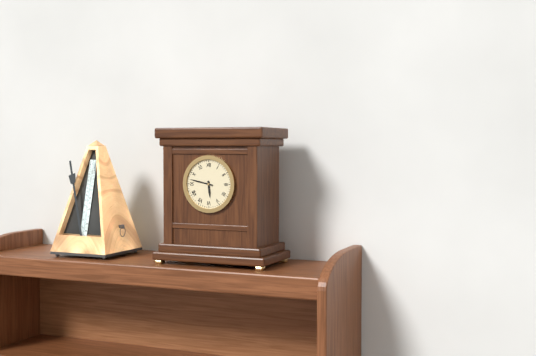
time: 5:47
